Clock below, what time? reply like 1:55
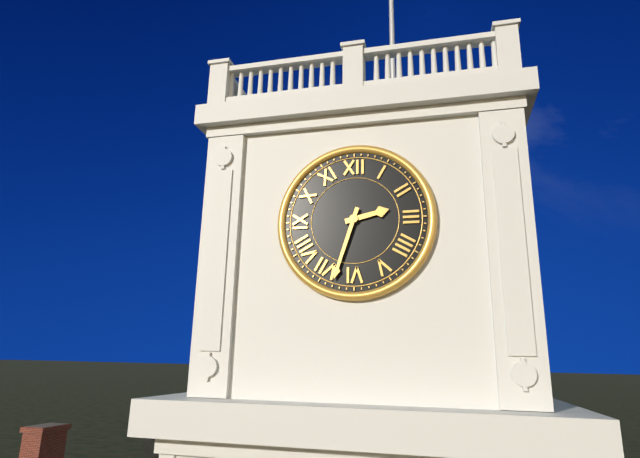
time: 2:33
